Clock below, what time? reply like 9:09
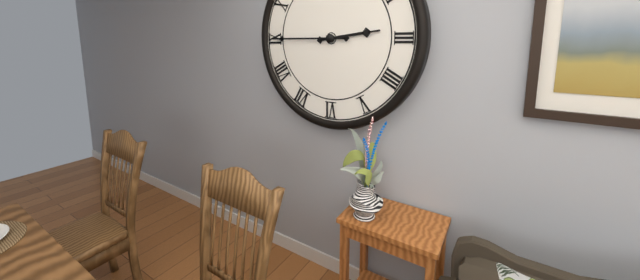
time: 2:45
